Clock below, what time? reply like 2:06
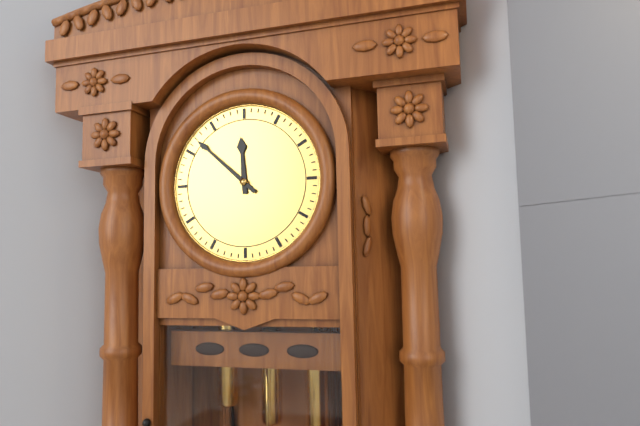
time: 11:52
